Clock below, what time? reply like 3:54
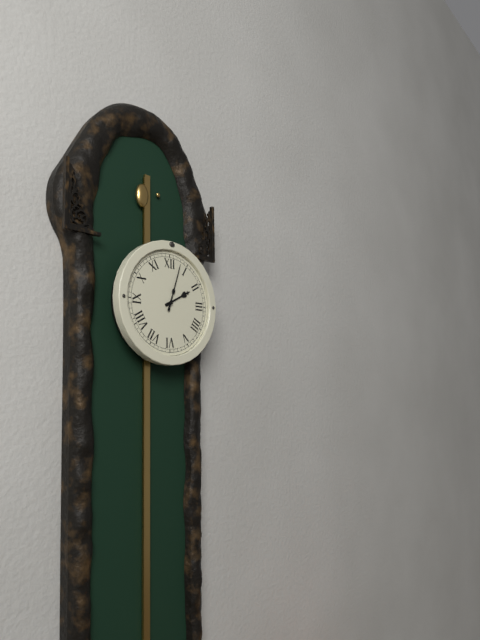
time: 2:03
